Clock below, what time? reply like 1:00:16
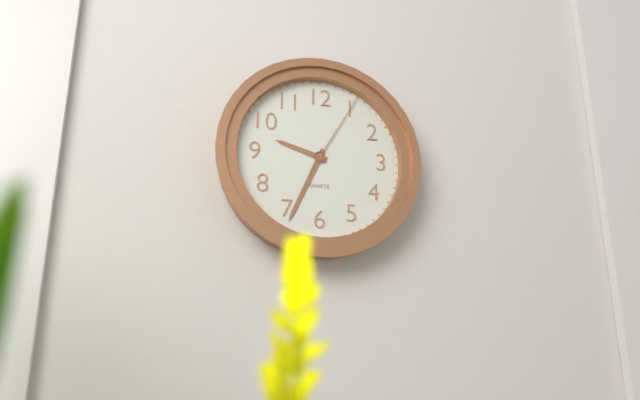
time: 9:34:05
